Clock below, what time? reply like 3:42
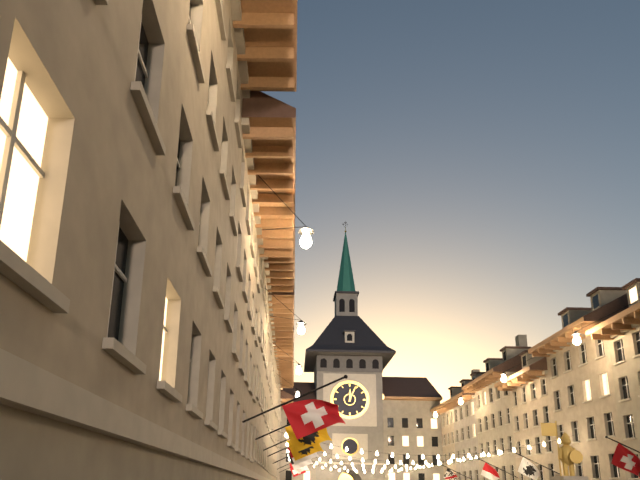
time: 12:04
